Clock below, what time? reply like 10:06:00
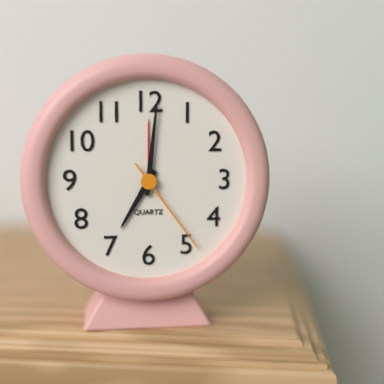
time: 7:01:24
